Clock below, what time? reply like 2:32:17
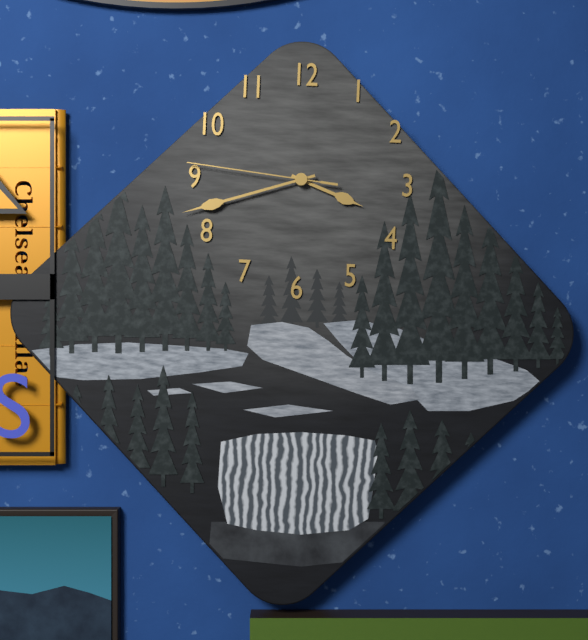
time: 3:42:46
